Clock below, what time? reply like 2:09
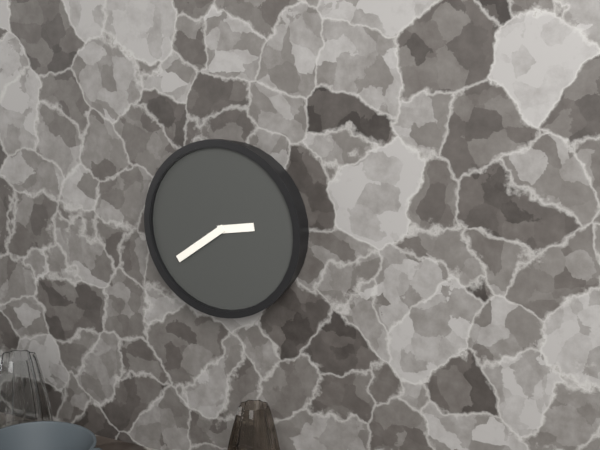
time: 2:39
